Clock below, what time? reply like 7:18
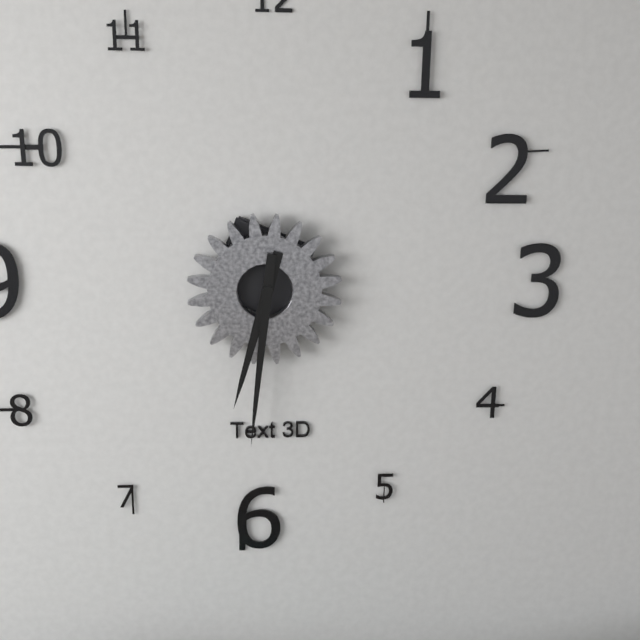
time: 6:31
